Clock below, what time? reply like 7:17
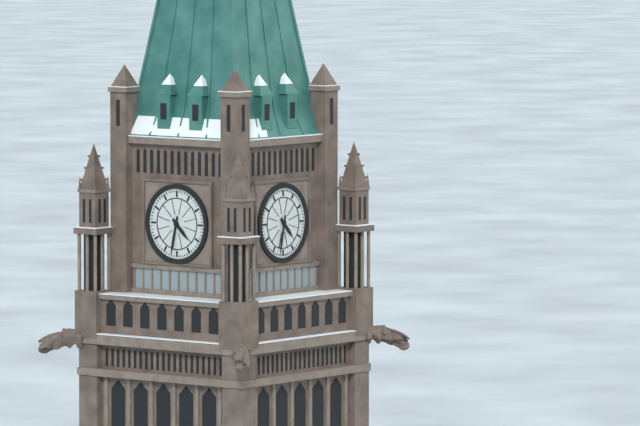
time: 4:32
